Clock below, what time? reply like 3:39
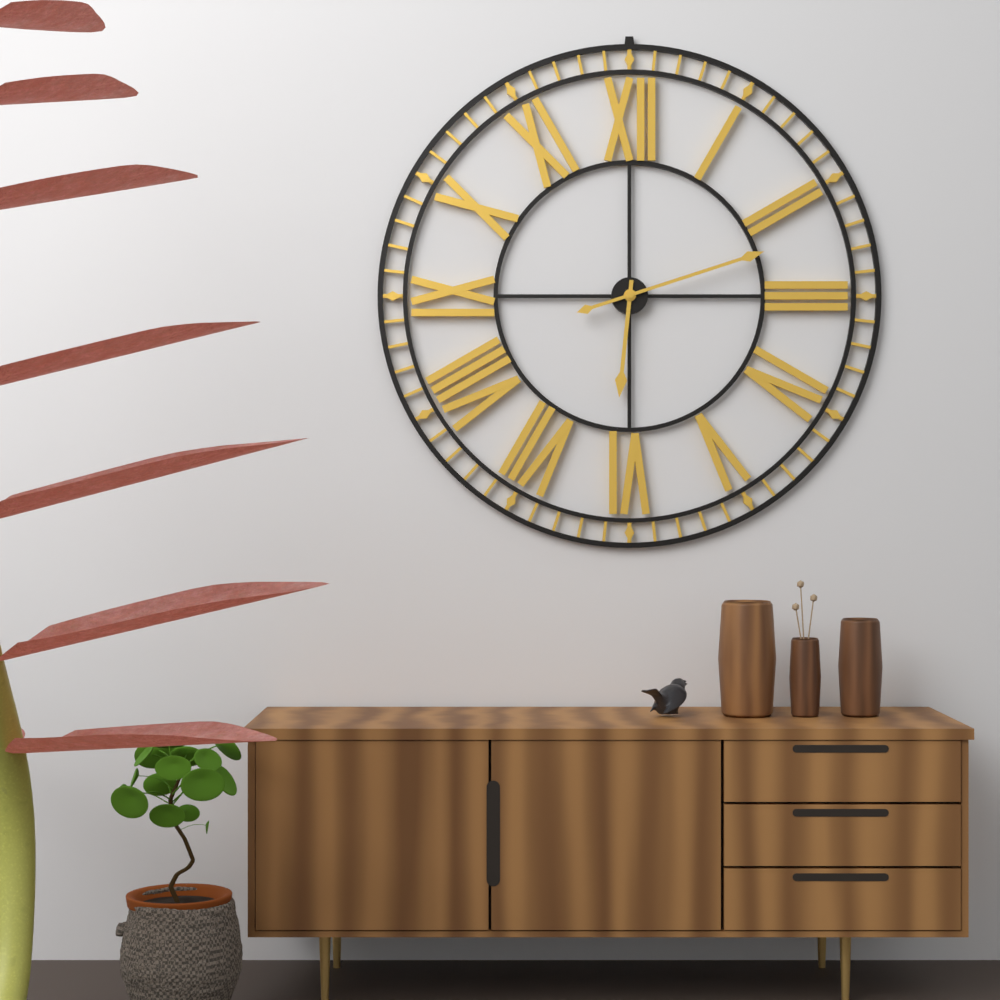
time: 6:12
